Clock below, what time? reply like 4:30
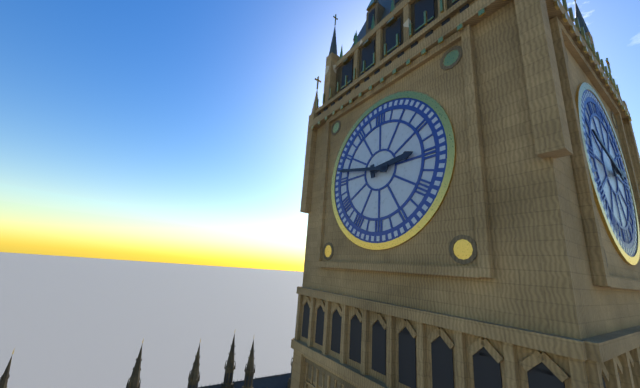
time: 2:47
